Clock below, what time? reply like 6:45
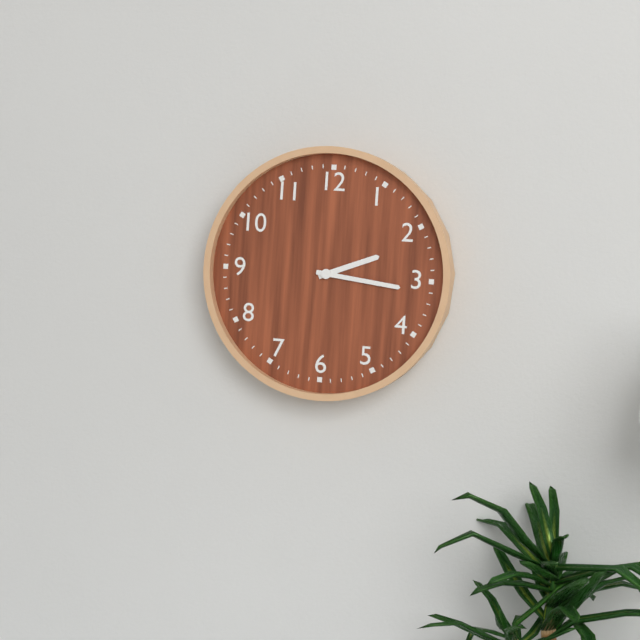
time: 2:16
